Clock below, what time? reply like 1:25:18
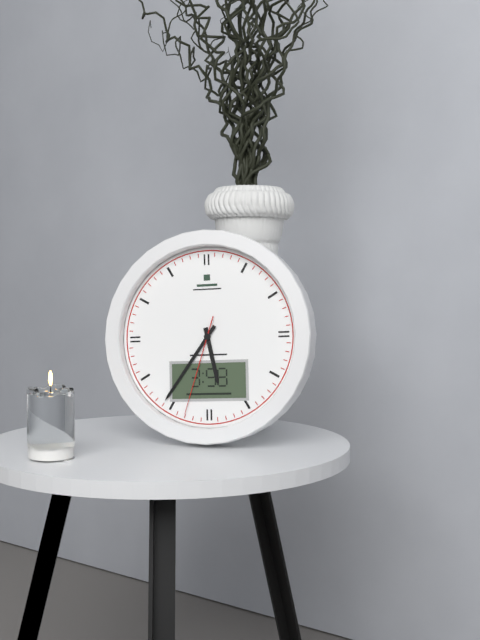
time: 5:36:33
